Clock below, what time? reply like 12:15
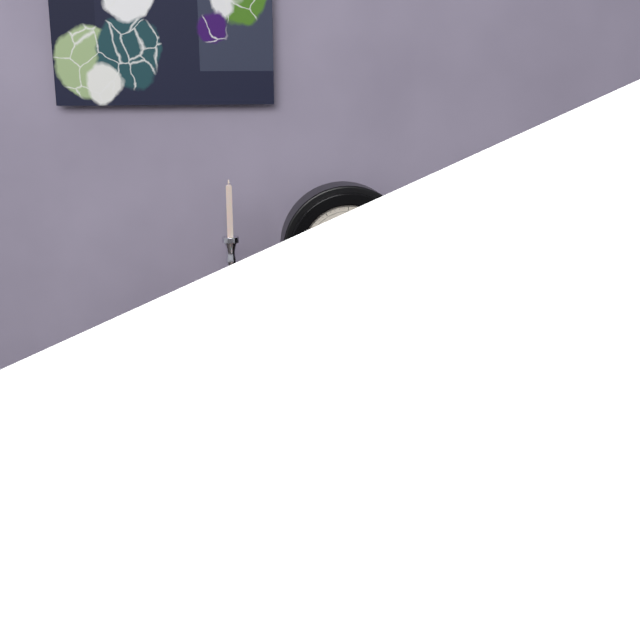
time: 10:08
